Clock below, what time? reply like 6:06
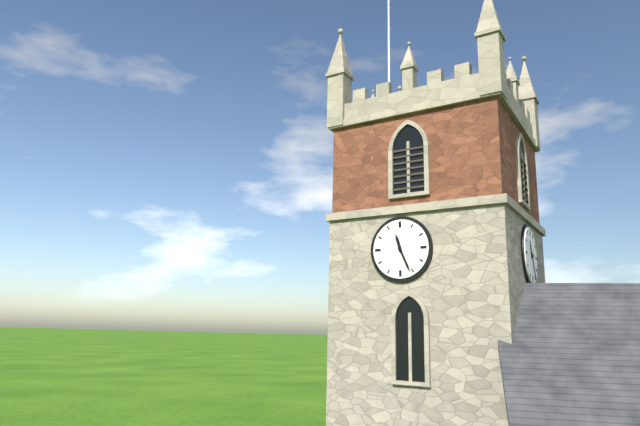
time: 11:26
